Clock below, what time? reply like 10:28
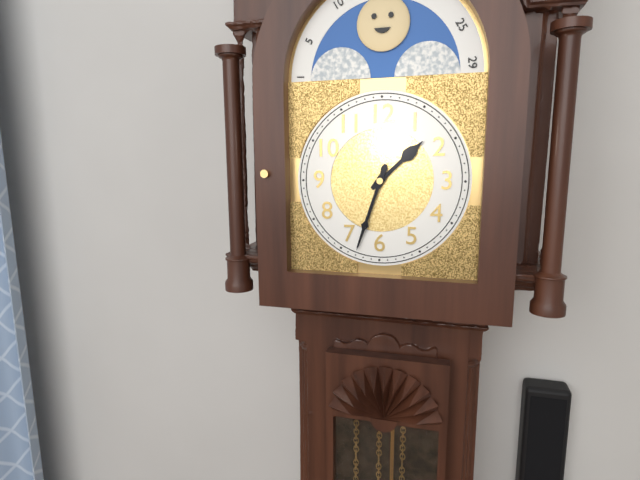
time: 1:33
